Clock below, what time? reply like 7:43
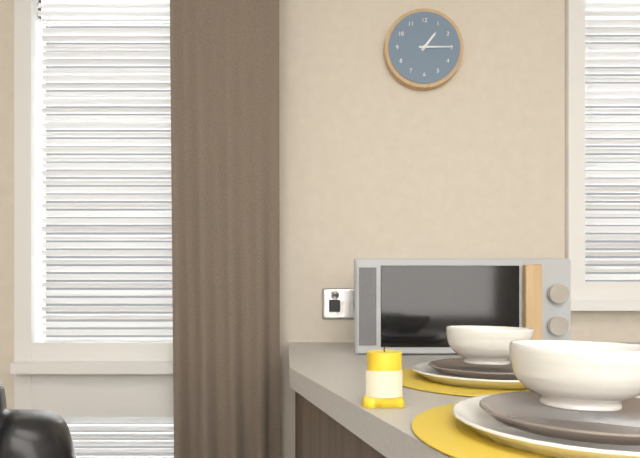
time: 1:15
